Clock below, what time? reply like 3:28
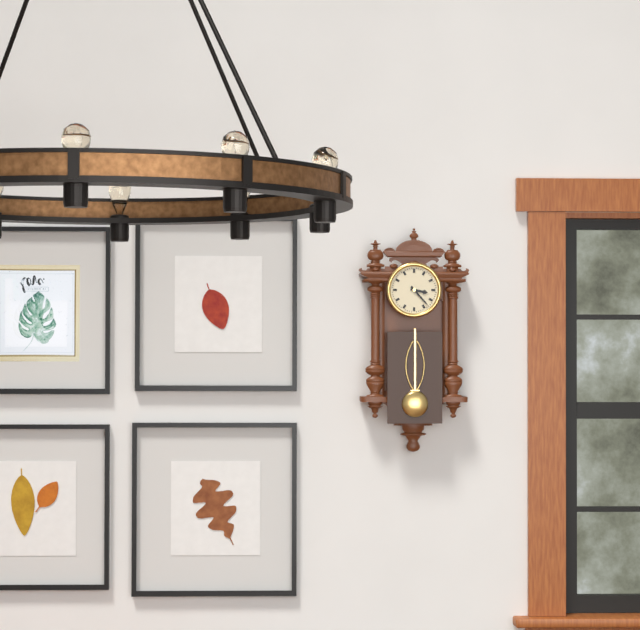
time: 3:23
